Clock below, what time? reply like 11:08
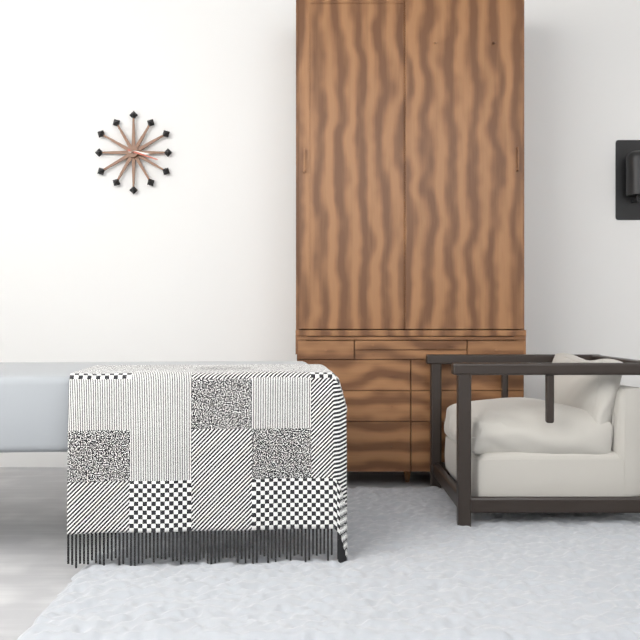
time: 3:18
